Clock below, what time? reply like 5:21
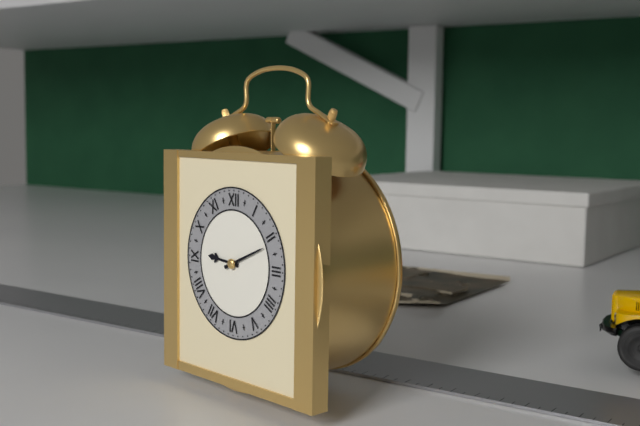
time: 9:11
